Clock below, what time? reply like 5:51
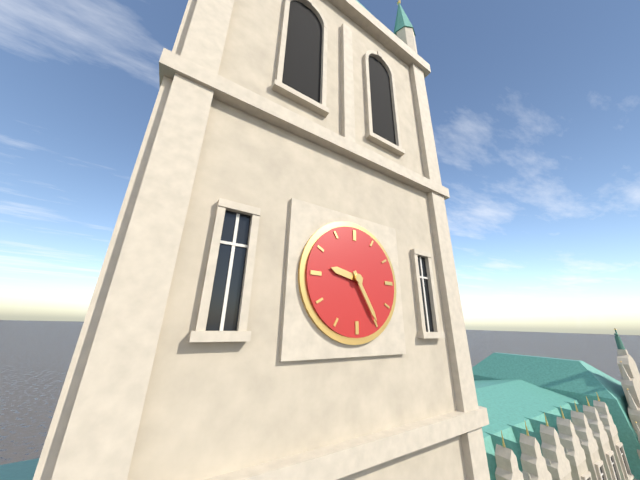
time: 9:25
